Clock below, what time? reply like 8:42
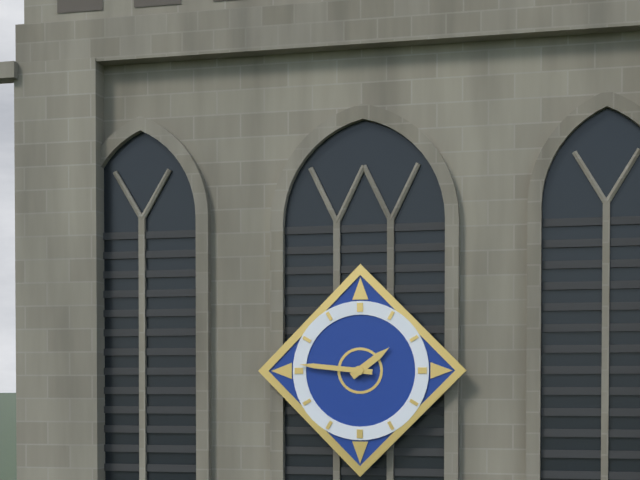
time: 1:46
